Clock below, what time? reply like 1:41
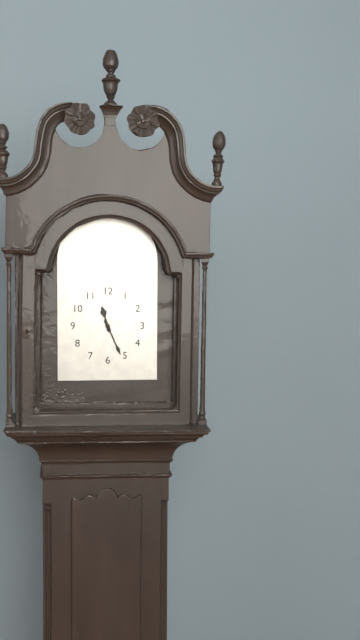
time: 11:26
